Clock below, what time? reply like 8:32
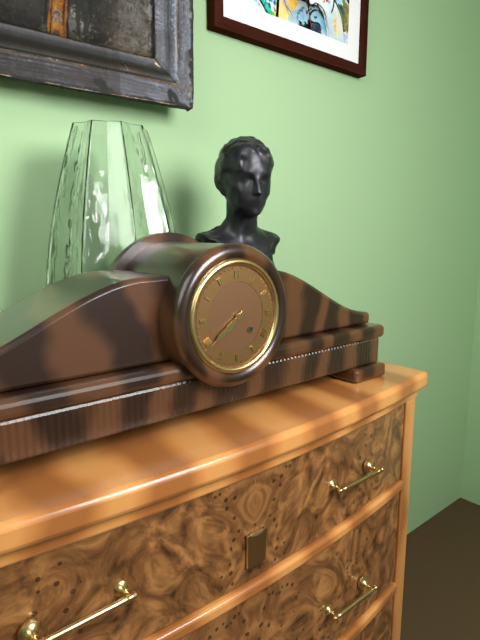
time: 7:39
